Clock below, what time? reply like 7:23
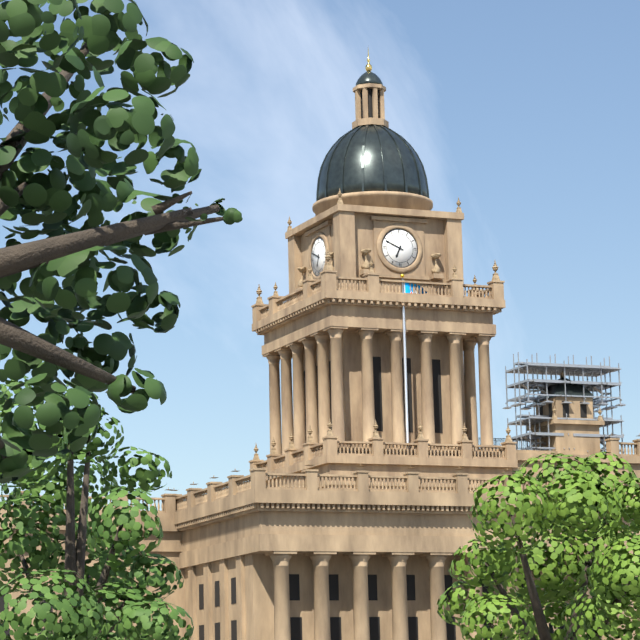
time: 6:49
